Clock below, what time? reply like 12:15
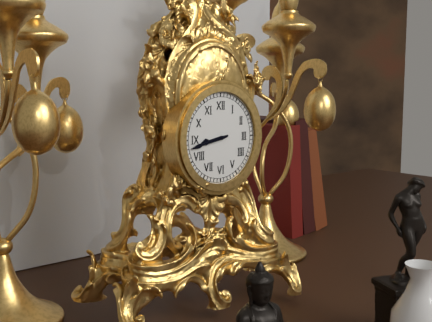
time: 8:43
